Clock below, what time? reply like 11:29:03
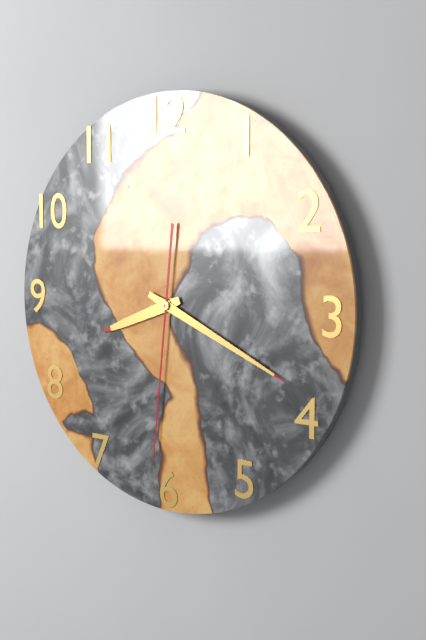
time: 8:19:31
